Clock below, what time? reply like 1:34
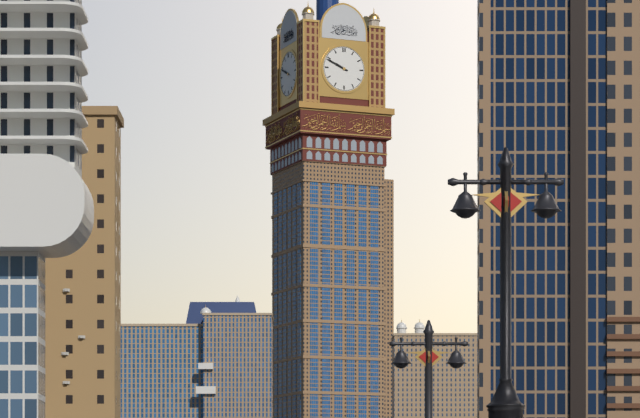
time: 9:49
